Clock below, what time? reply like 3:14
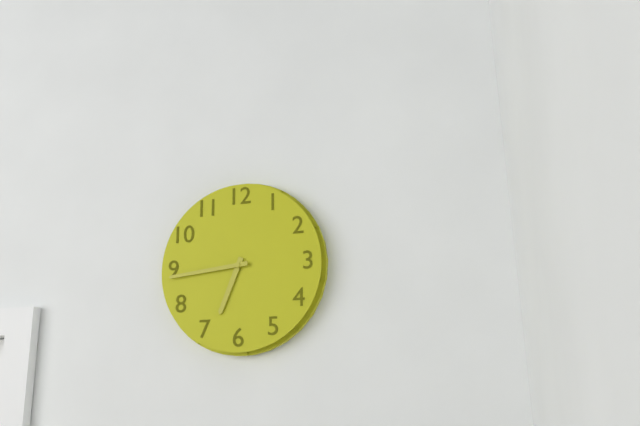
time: 6:44
